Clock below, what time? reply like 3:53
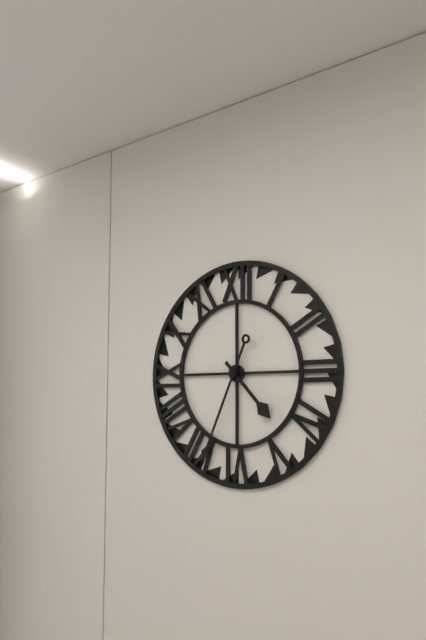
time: 4:34
